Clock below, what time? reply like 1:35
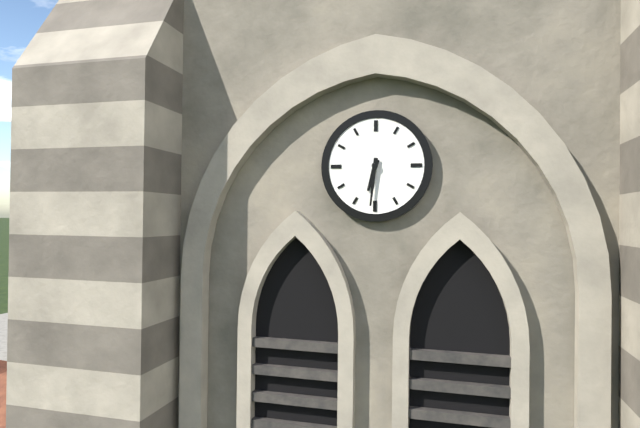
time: 6:31
